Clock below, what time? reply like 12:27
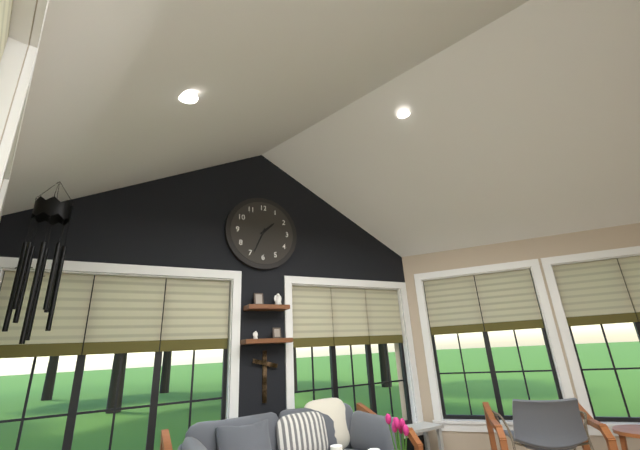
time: 1:34
